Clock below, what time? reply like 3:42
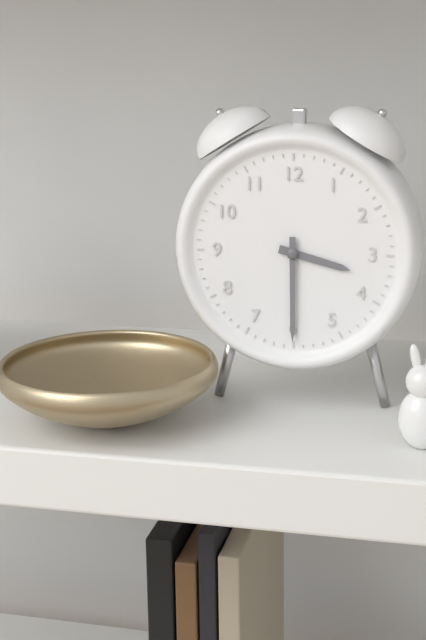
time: 3:30
